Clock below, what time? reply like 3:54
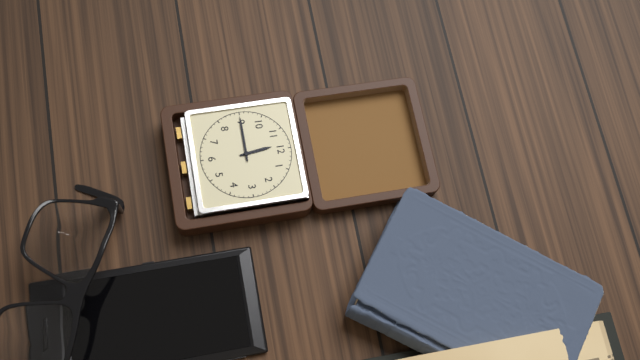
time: 11:45
